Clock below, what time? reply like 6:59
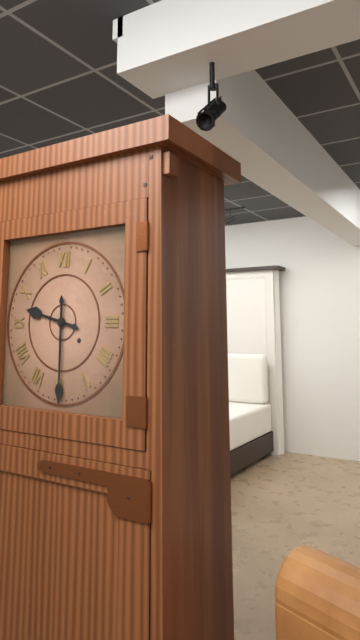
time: 9:30
